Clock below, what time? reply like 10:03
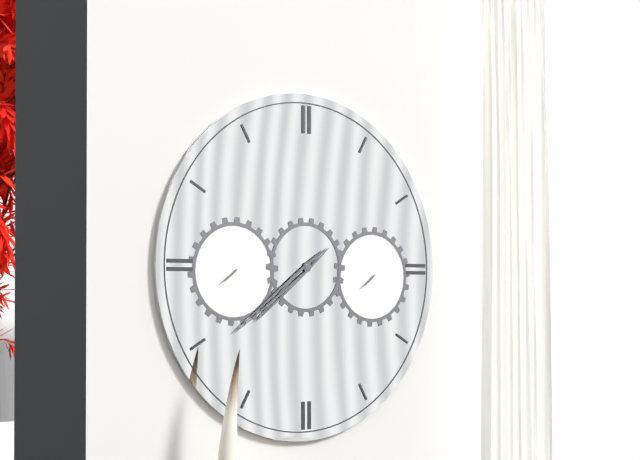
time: 7:39
